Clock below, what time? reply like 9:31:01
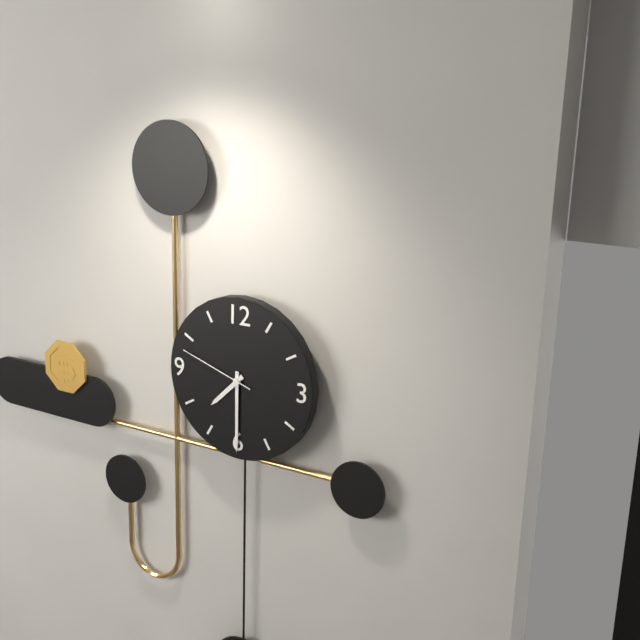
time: 7:30:48
